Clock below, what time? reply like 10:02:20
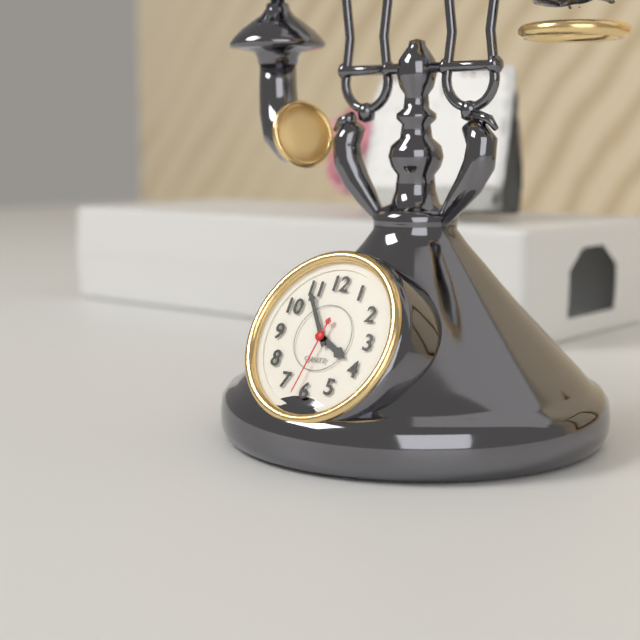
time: 3:54:32
